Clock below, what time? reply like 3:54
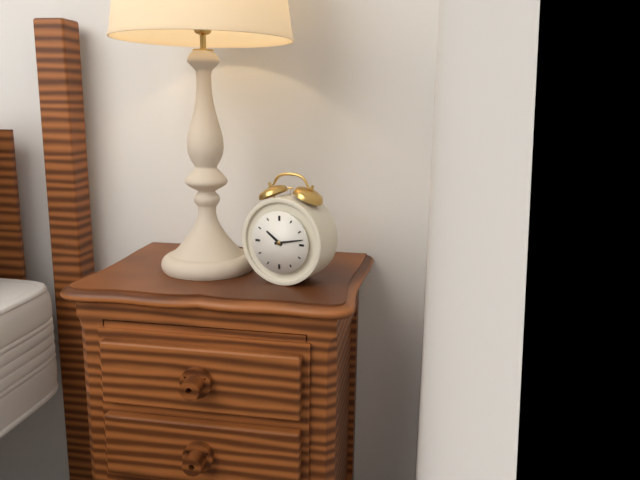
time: 10:13
